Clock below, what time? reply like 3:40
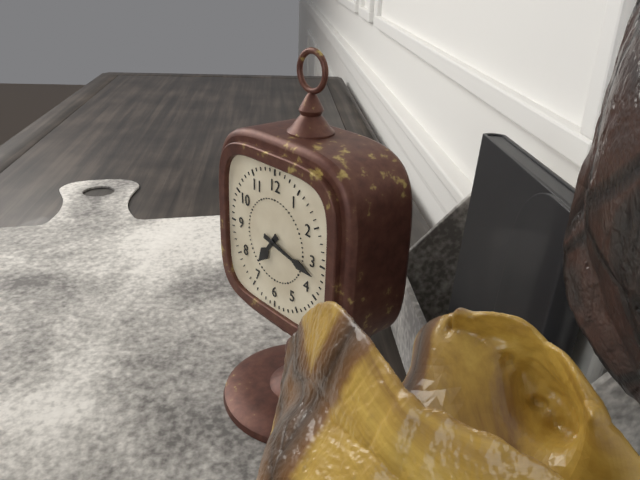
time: 7:17
